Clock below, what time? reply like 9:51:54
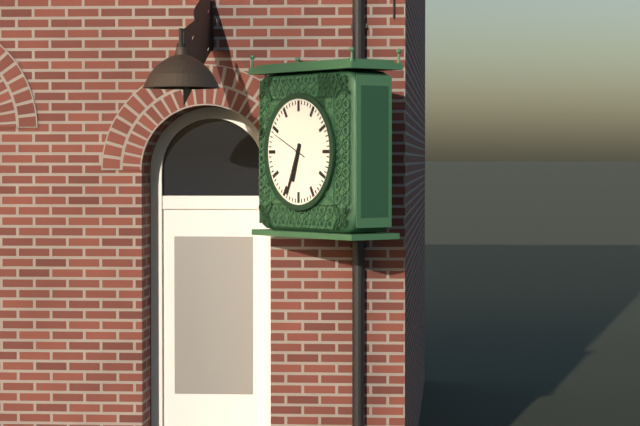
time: 6:34:49
